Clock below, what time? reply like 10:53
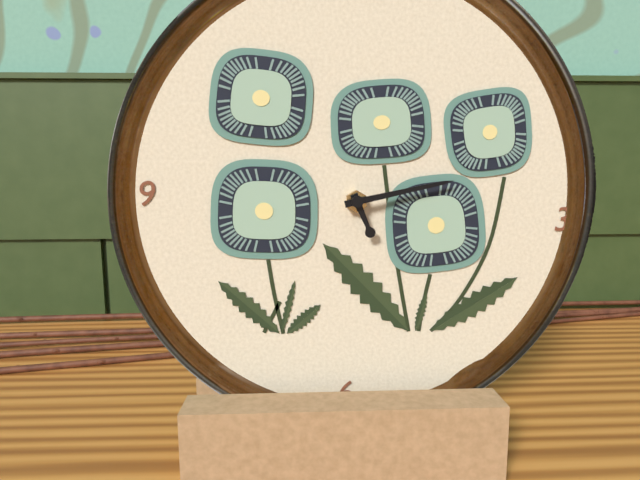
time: 5:13
